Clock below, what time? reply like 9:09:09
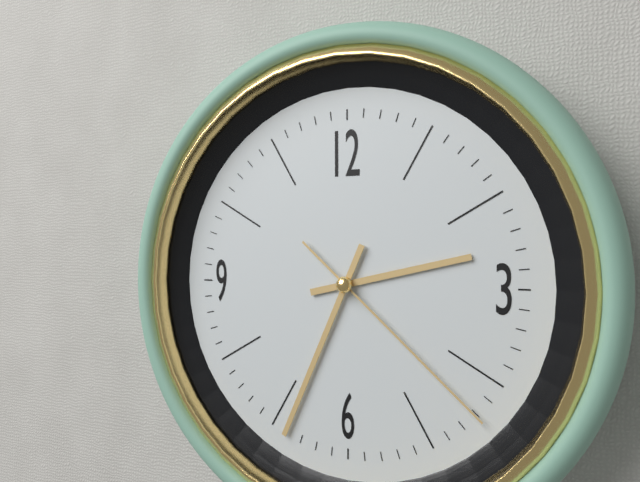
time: 2:34:22
